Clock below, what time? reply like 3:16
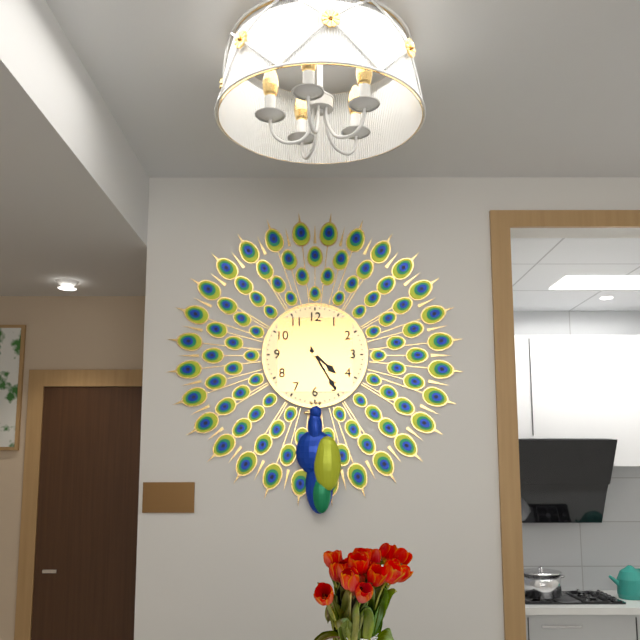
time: 4:25
